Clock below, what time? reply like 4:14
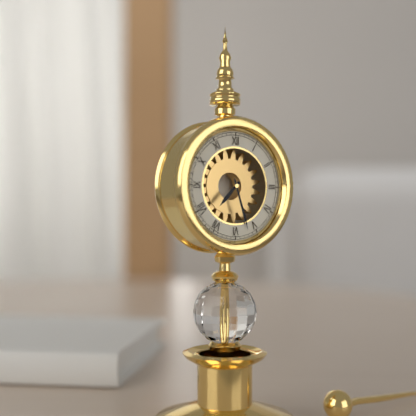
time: 7:27
